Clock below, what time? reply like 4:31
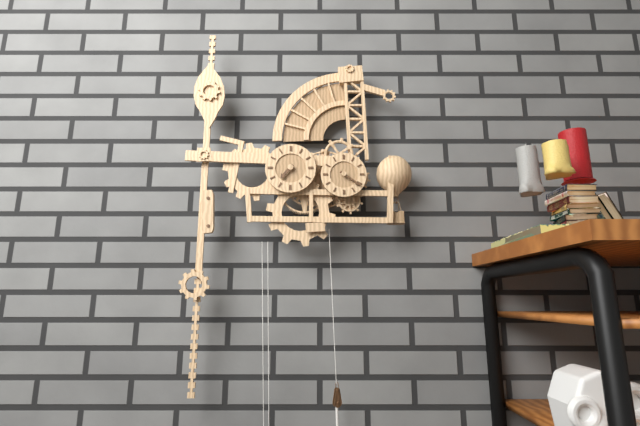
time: 7:21
